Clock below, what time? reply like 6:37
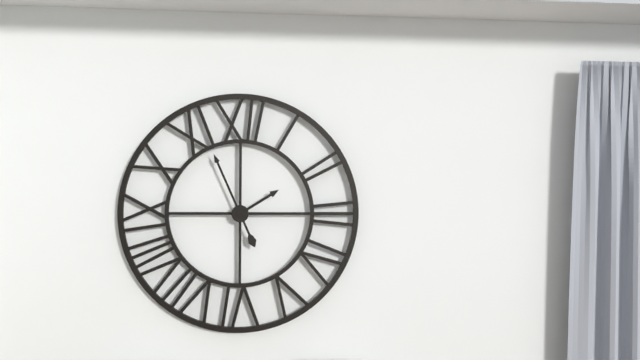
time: 1:56
